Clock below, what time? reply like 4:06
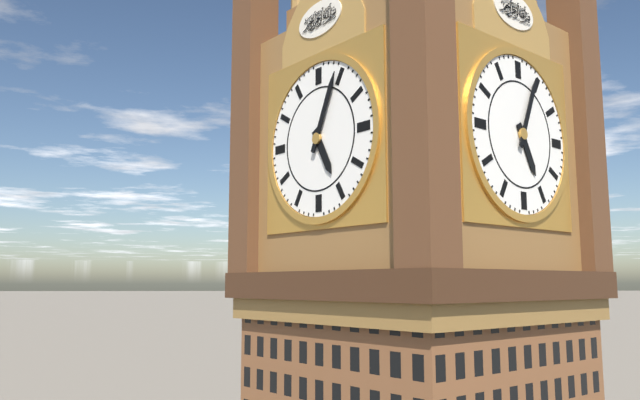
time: 5:04
